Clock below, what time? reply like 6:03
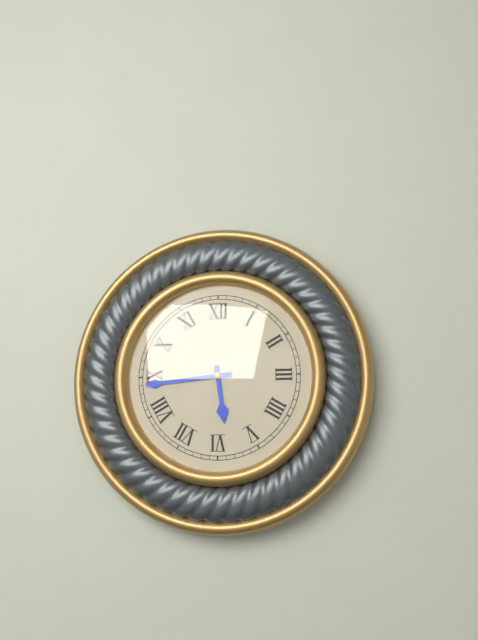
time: 5:44
